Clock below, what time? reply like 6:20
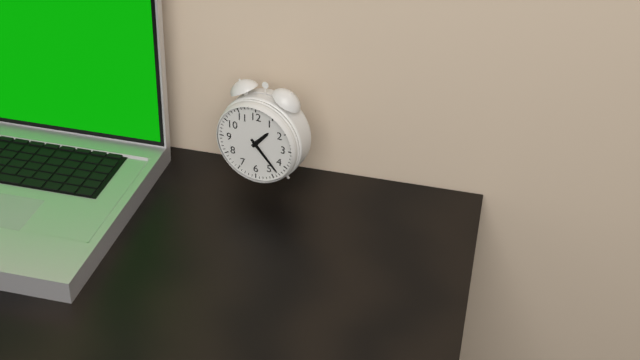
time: 1:23
